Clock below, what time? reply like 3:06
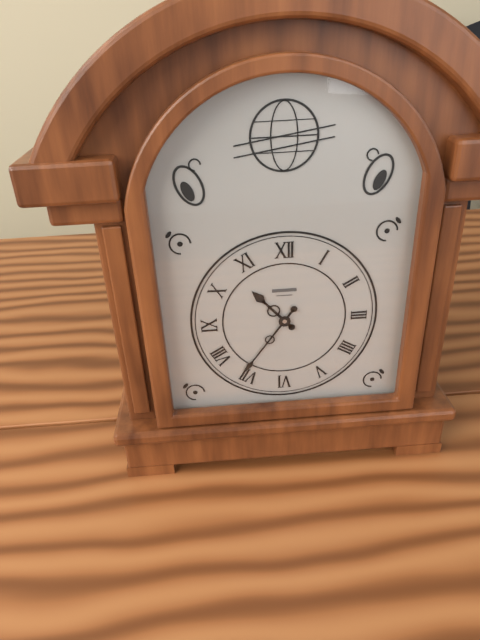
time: 10:36
